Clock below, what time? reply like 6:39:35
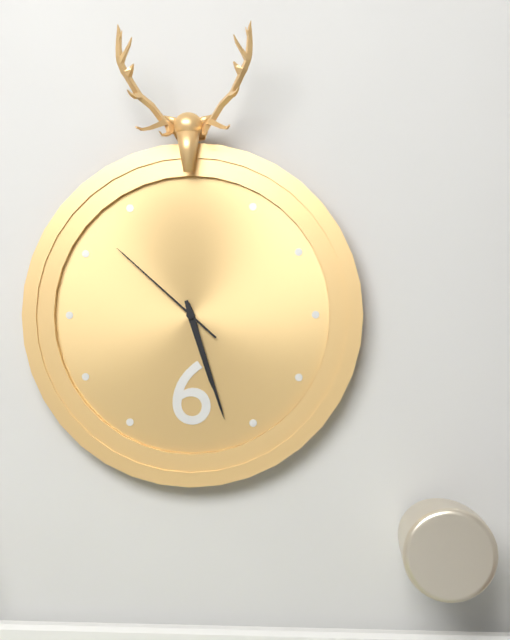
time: 5:27:52
